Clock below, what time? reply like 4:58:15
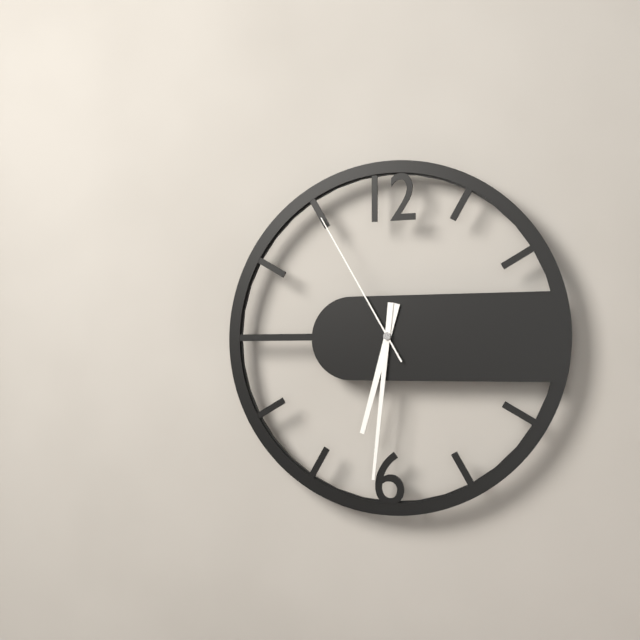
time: 6:31:55
